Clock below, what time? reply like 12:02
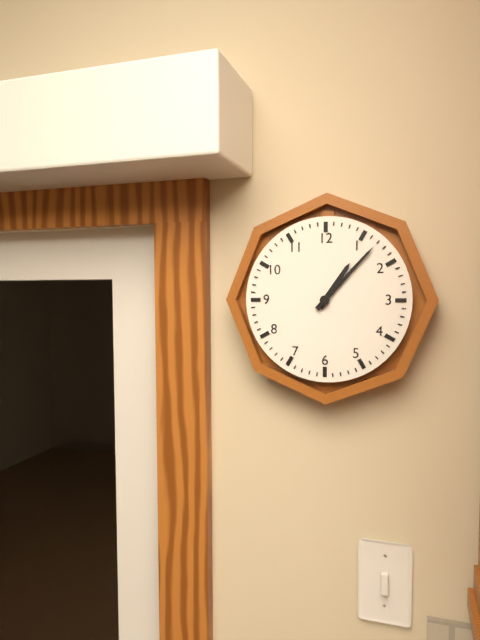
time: 1:07
